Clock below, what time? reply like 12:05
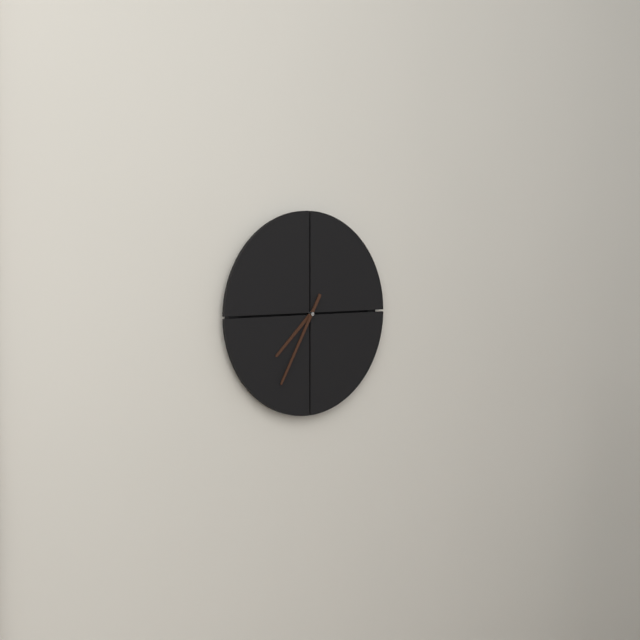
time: 7:35
